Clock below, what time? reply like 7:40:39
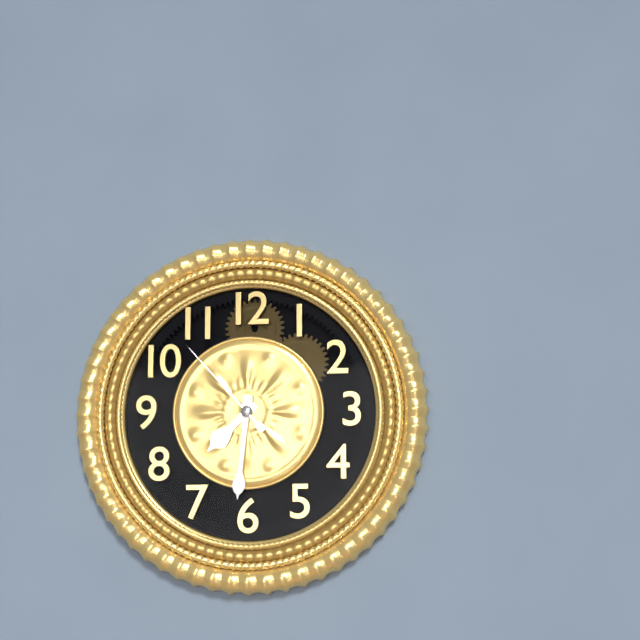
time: 7:31:53
